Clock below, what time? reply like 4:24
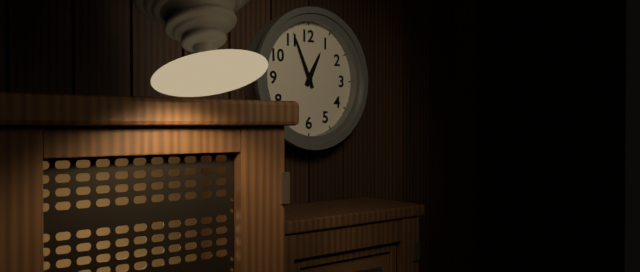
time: 12:56
